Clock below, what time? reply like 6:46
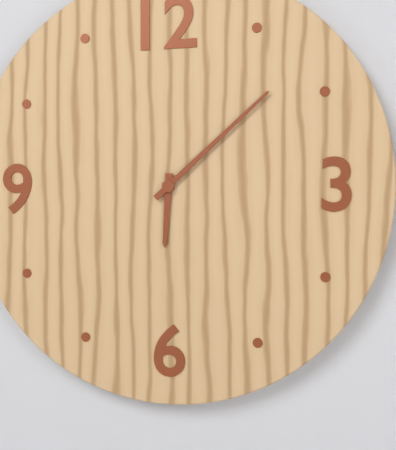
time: 6:08
